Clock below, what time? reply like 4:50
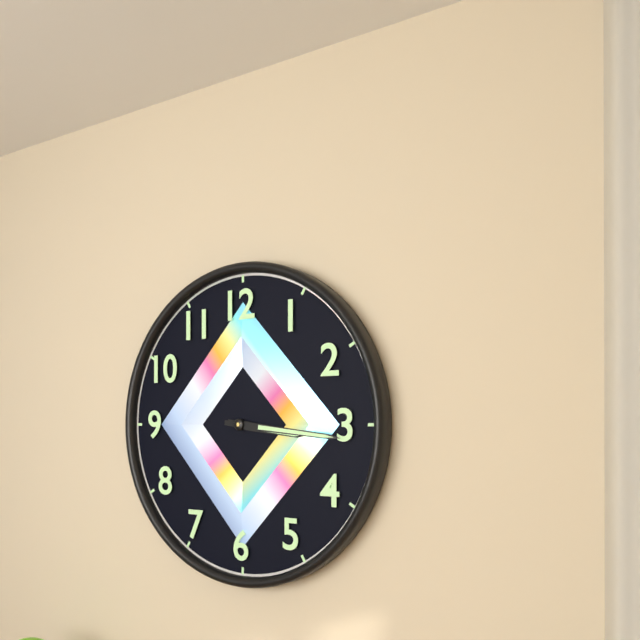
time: 3:16
